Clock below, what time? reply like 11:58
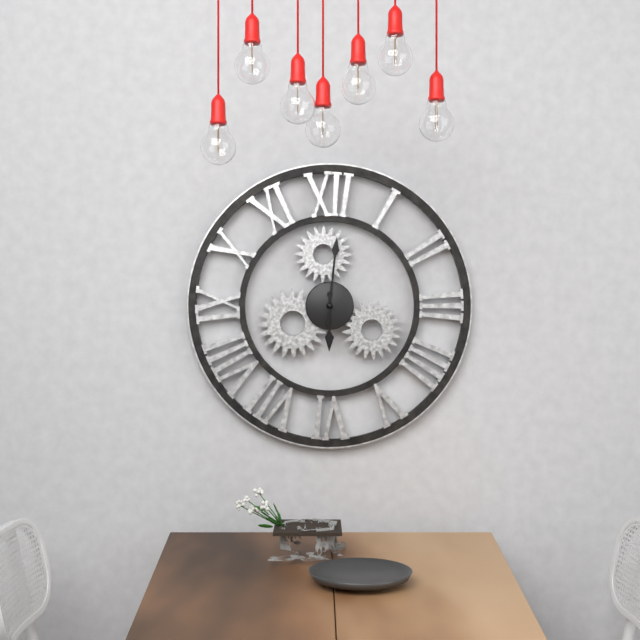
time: 6:01
